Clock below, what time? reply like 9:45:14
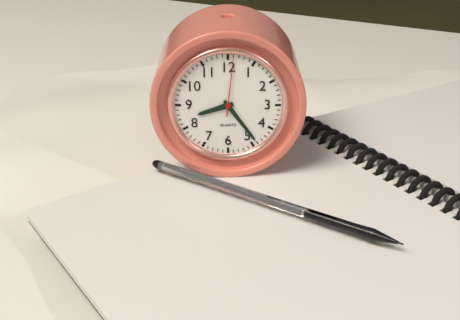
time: 8:24:01
